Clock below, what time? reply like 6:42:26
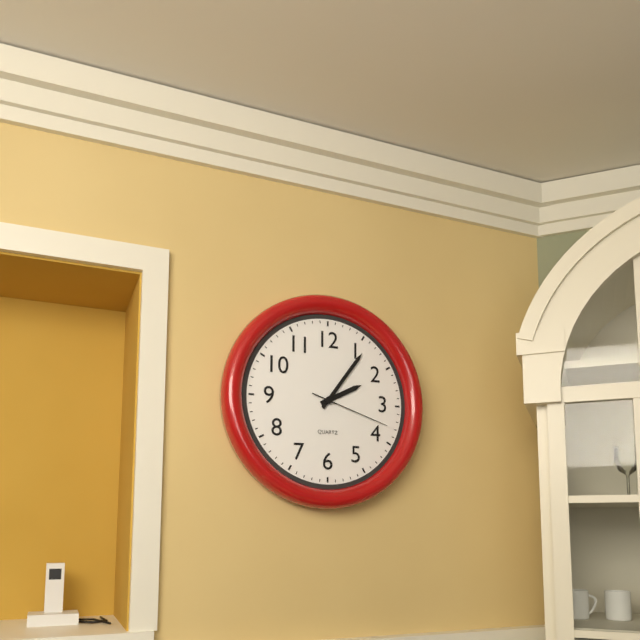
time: 2:06:18
